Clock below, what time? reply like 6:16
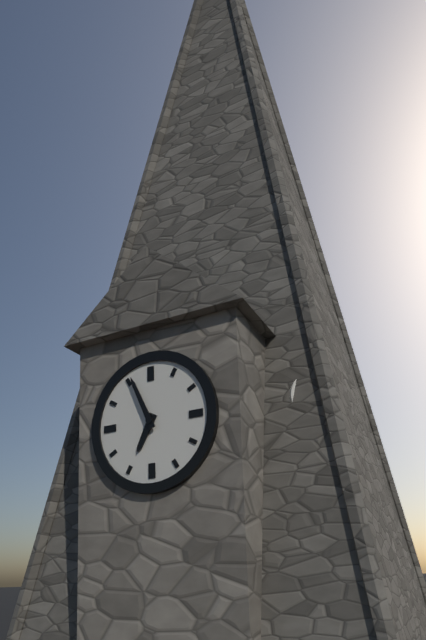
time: 6:56
